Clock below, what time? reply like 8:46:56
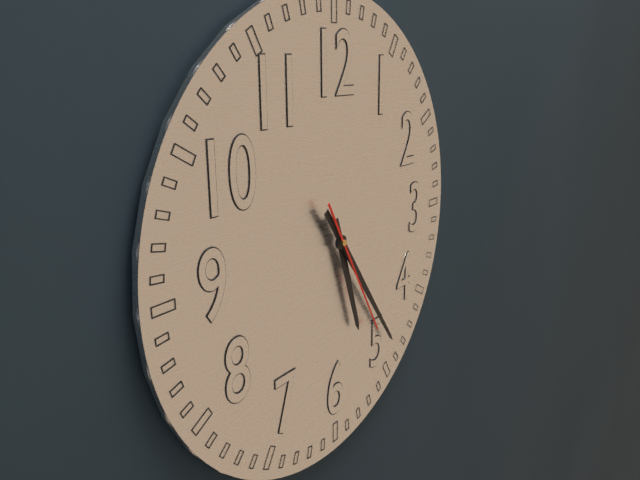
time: 5:24:25
